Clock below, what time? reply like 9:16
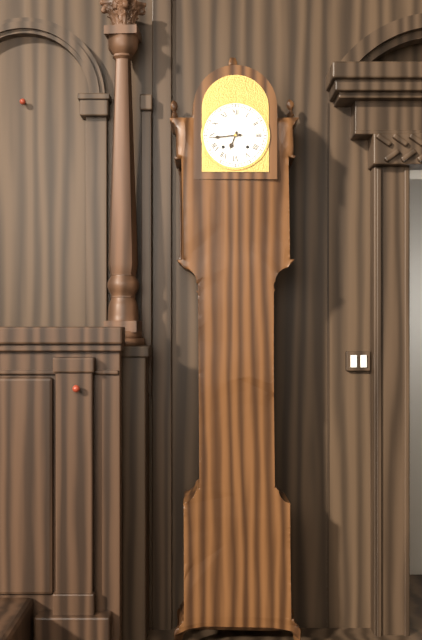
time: 6:44
